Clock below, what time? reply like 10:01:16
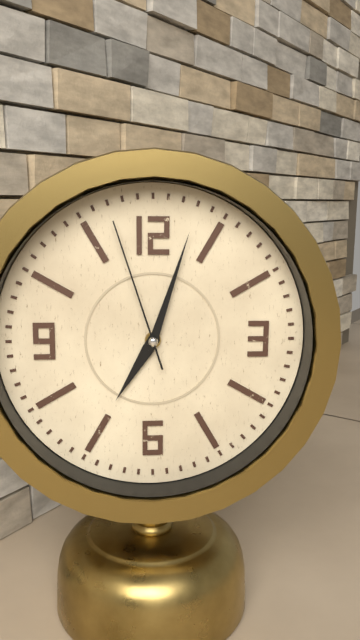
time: 7:03:57
